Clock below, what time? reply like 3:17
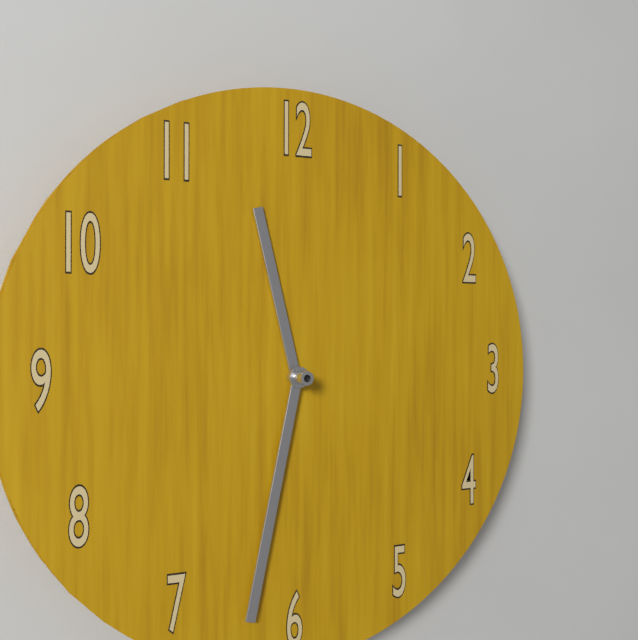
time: 11:32
